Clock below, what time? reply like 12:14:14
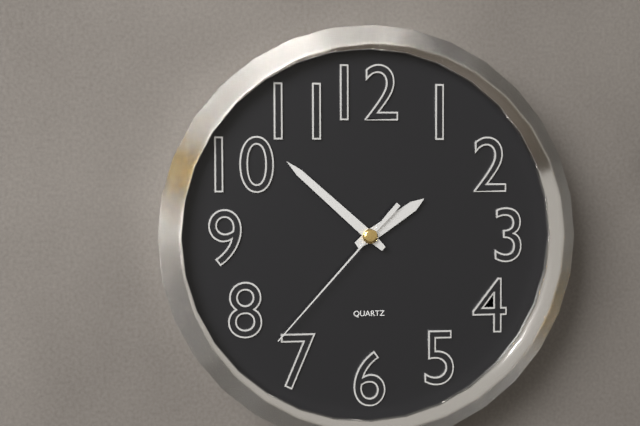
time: 1:52:37
